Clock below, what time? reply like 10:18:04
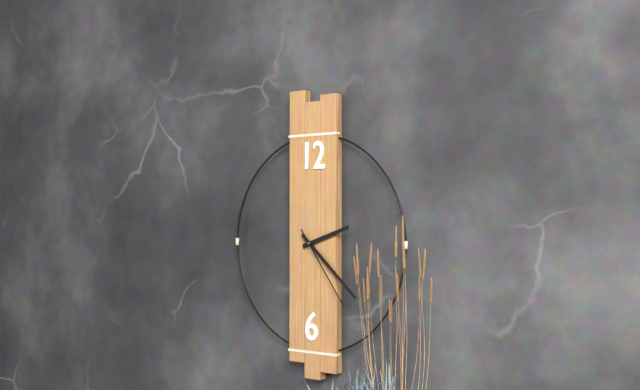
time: 2:22:24
